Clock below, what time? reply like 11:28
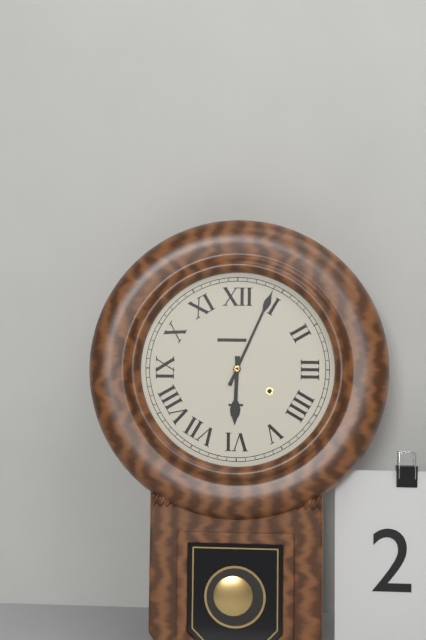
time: 6:04
